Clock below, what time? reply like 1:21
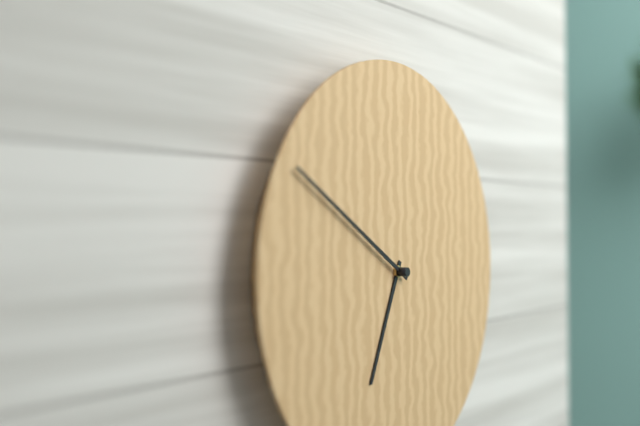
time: 6:50
